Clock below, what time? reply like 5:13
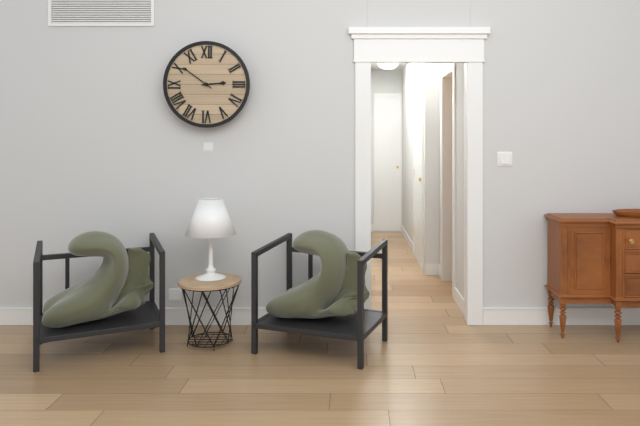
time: 2:51
